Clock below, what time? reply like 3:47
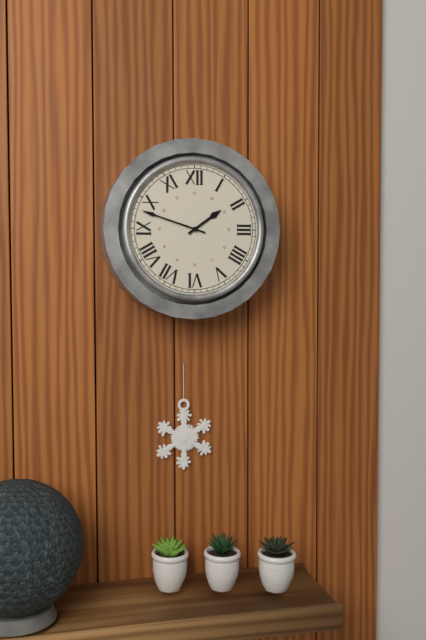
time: 1:48
